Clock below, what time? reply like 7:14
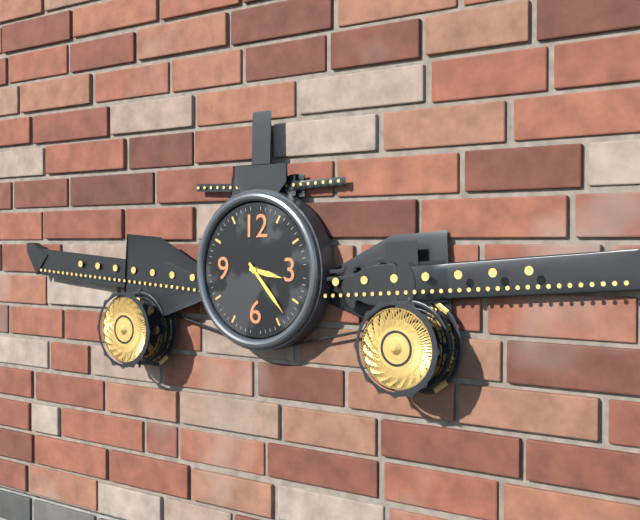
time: 3:23
